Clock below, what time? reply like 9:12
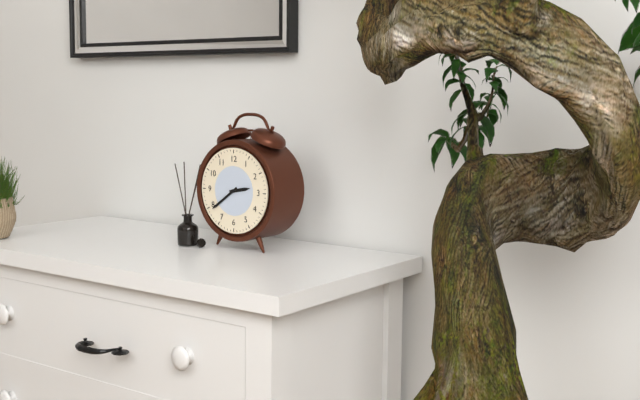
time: 2:39
